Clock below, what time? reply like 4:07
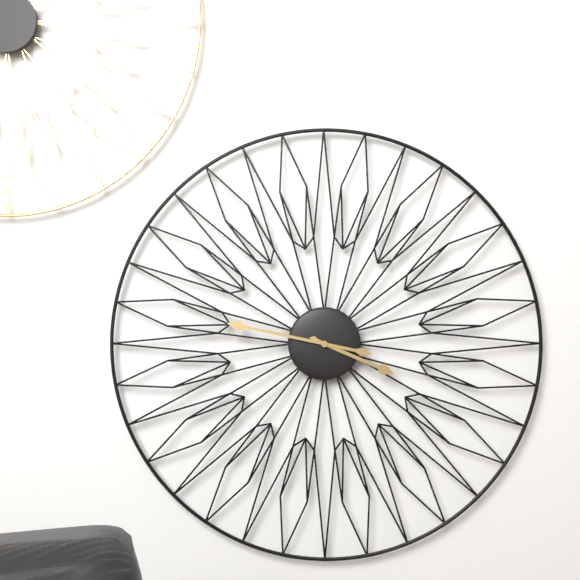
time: 3:47
